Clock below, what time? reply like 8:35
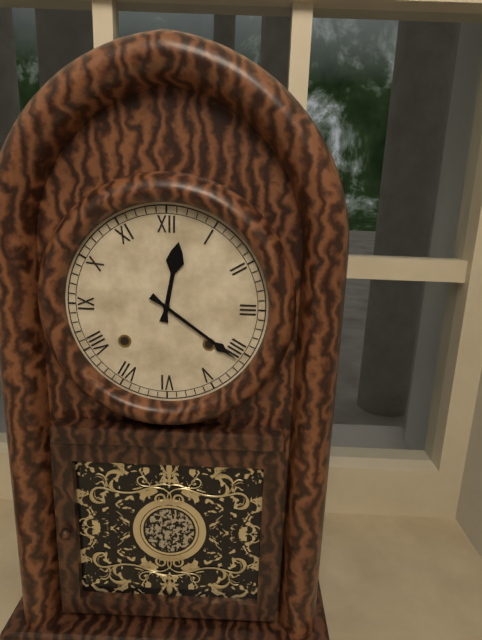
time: 12:21
